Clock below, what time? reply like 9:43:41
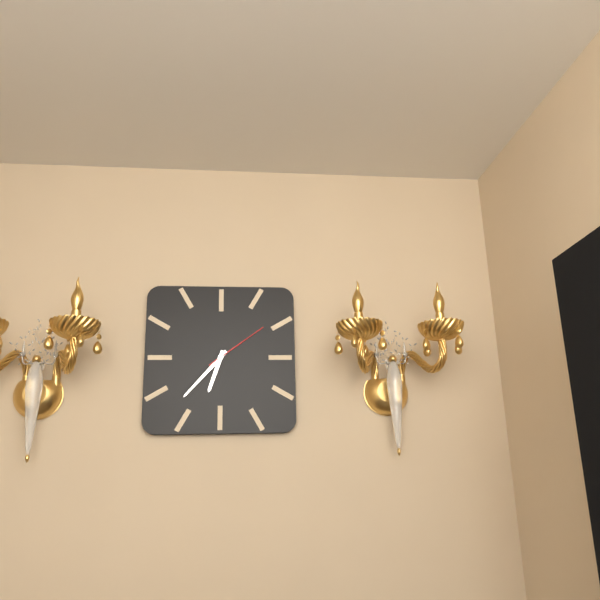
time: 6:37:09
